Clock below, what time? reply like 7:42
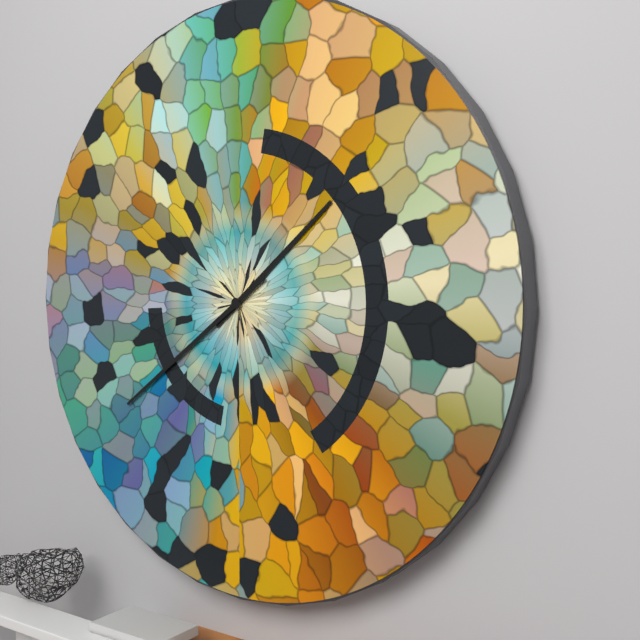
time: 1:39
